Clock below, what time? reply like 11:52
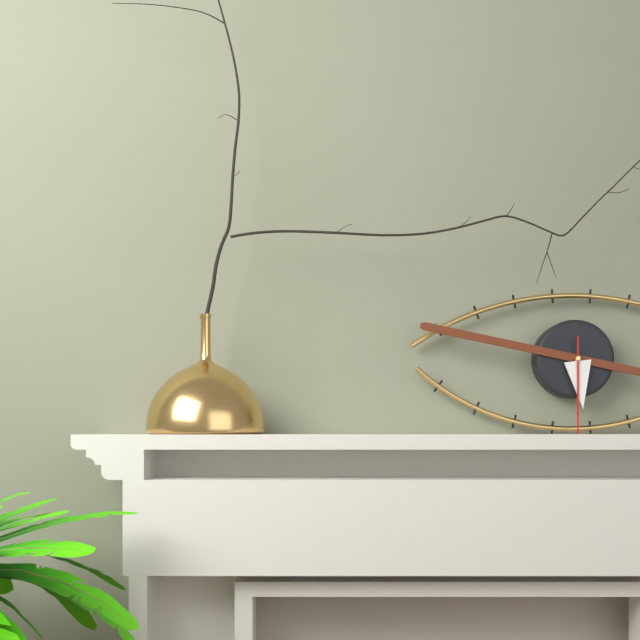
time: 5:47
